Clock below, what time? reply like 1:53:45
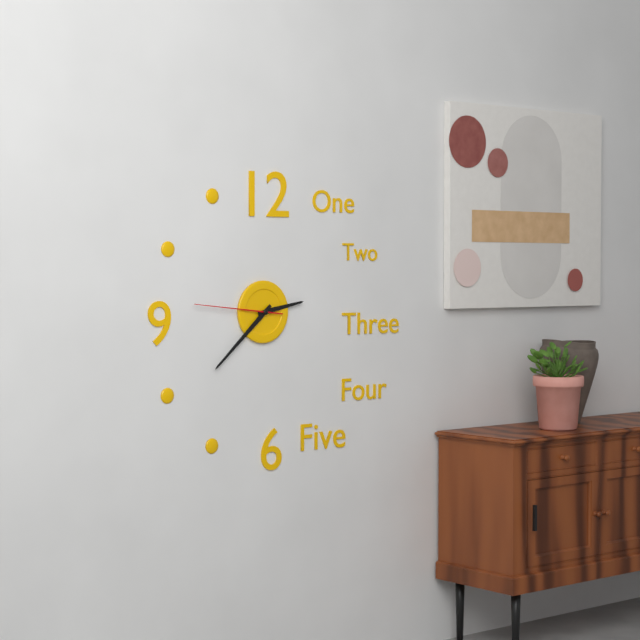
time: 2:38:46
